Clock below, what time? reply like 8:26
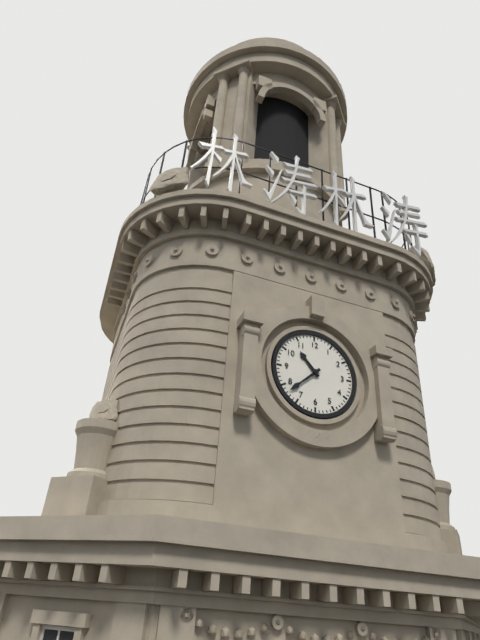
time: 10:38
